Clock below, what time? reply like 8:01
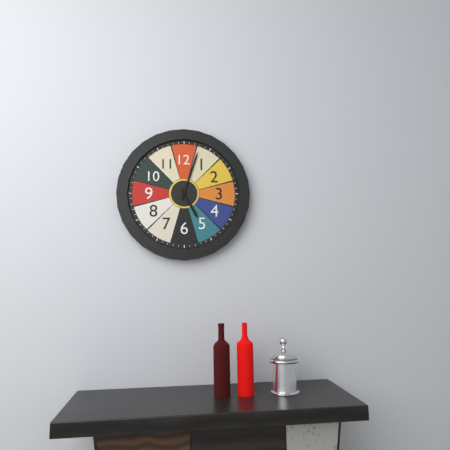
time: 5:03
